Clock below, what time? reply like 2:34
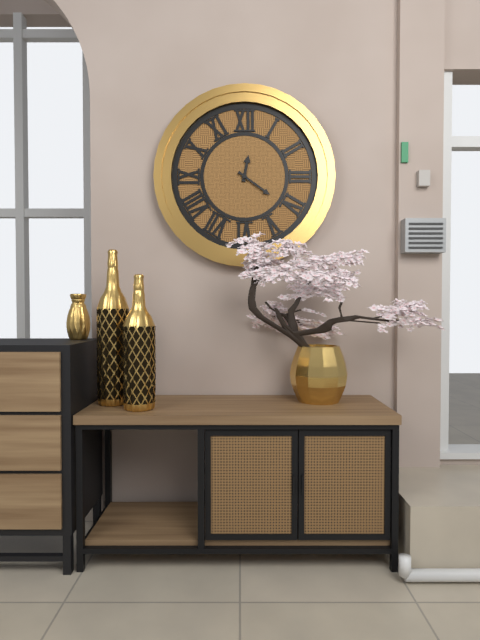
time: 12:21
